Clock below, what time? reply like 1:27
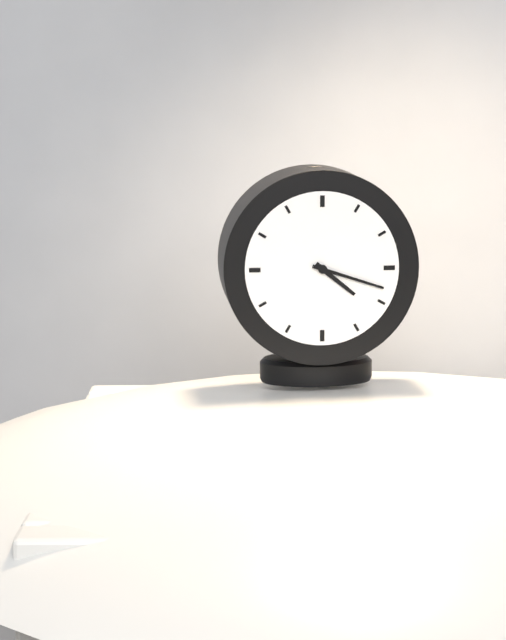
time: 4:18
